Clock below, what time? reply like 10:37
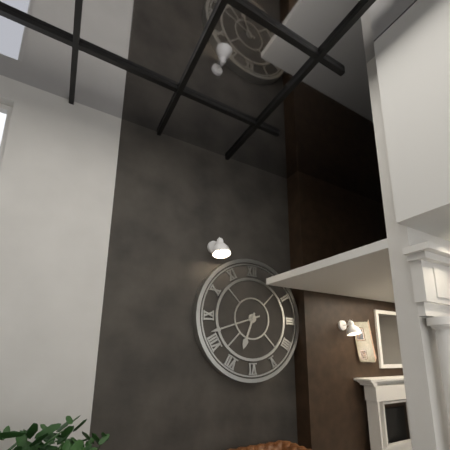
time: 6:42
